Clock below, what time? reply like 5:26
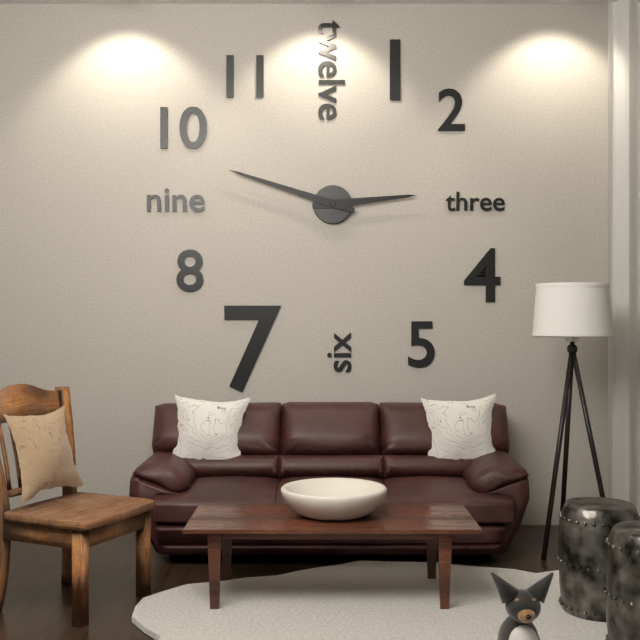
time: 2:48
